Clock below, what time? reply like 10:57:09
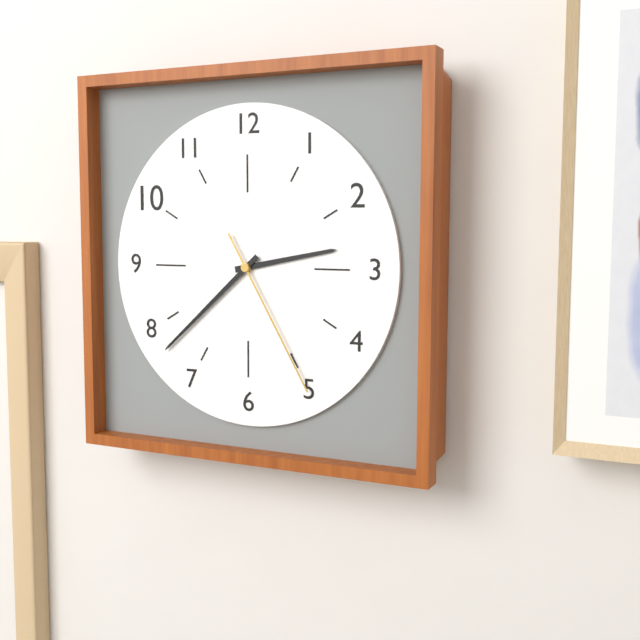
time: 2:38:25
